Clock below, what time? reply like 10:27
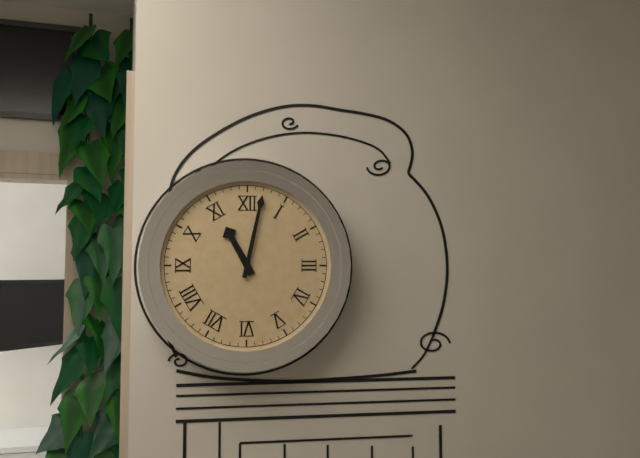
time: 11:02
